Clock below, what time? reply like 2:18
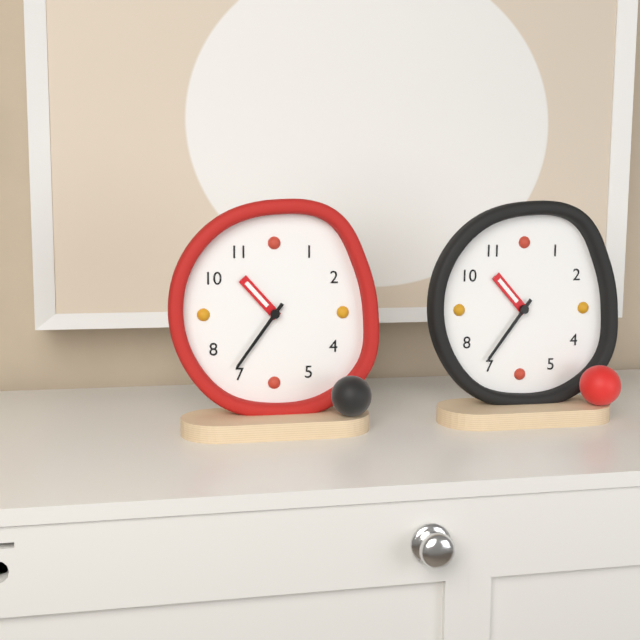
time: 10:36
